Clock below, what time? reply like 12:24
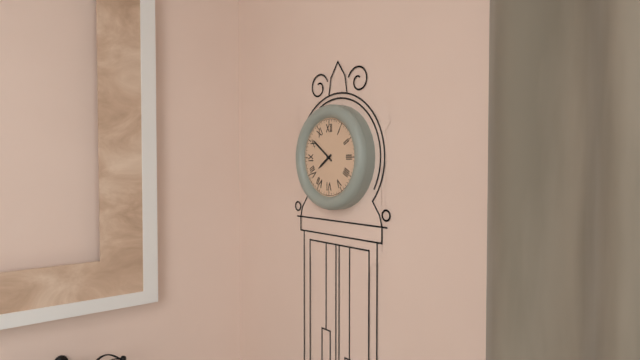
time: 7:51
